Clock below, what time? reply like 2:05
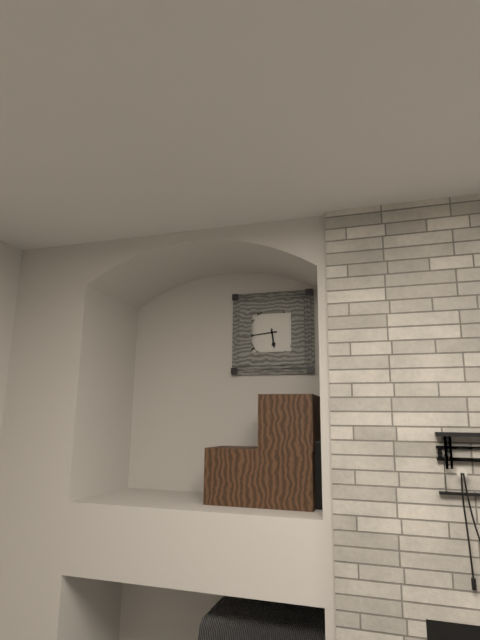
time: 5:44
